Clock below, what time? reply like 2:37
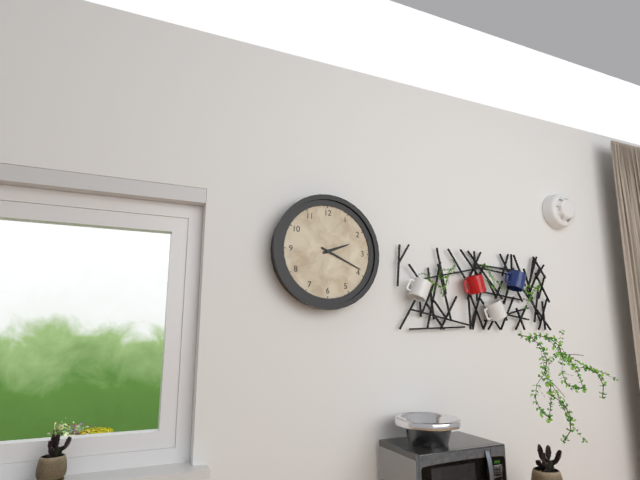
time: 2:19
